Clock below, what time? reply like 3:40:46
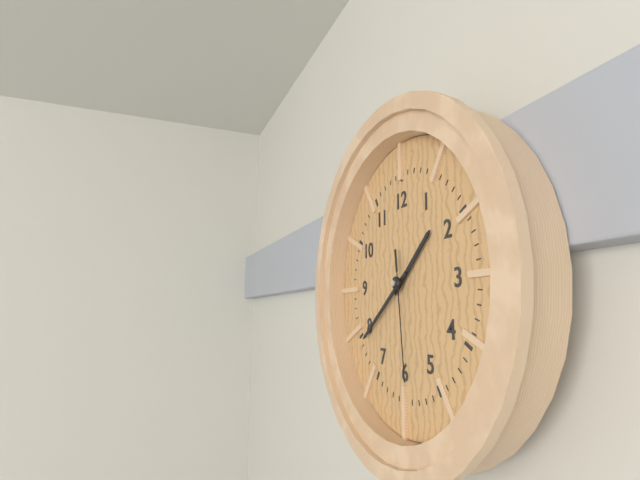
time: 1:39:29
